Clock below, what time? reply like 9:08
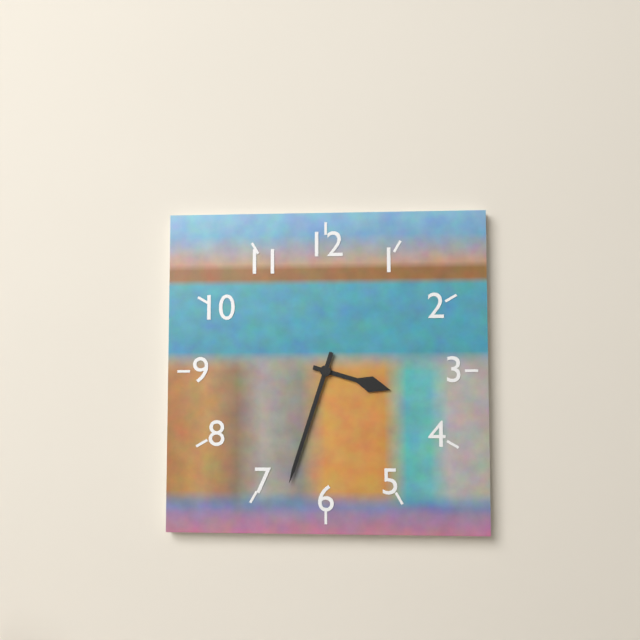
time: 3:33
